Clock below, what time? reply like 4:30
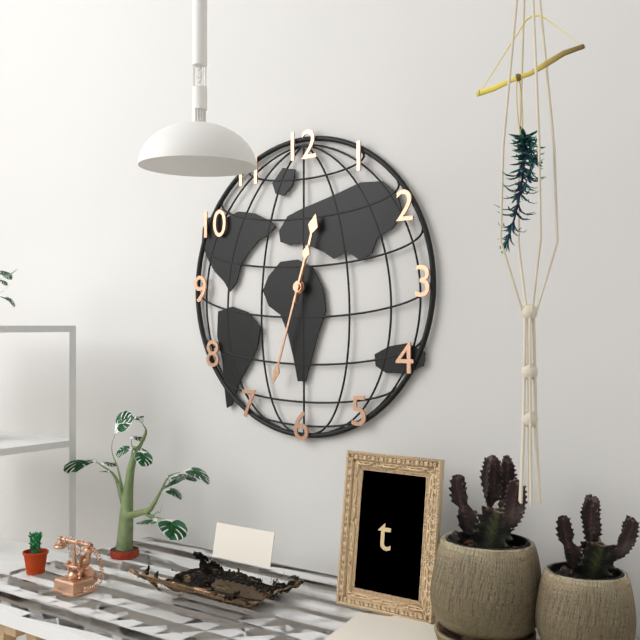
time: 12:33
